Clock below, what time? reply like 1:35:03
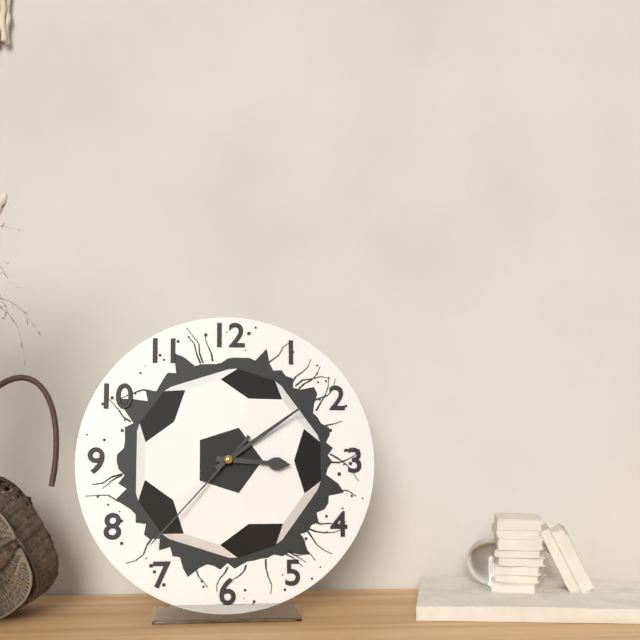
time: 3:09:37
